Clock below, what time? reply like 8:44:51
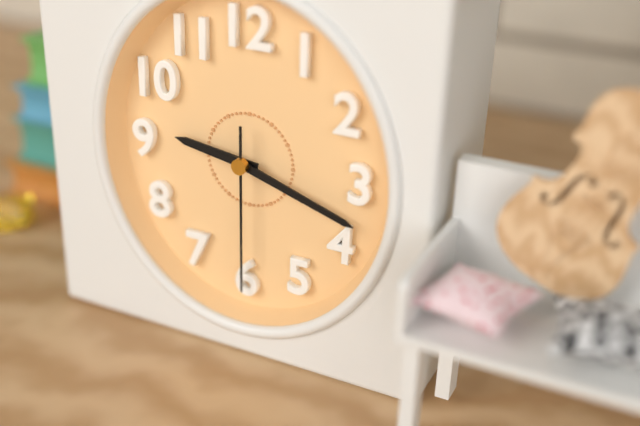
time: 9:18:30
